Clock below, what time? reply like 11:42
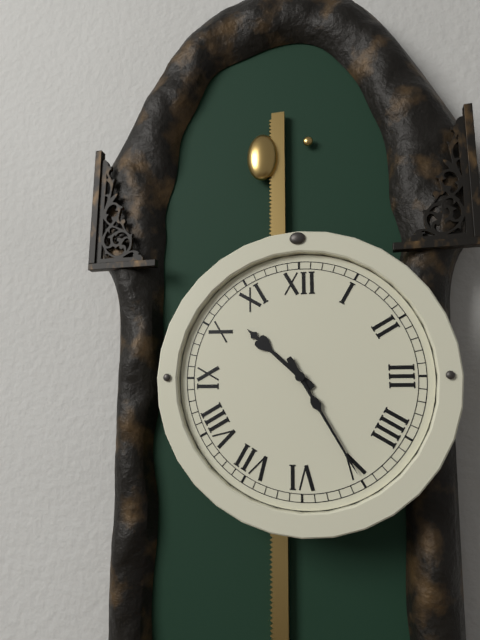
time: 10:25
